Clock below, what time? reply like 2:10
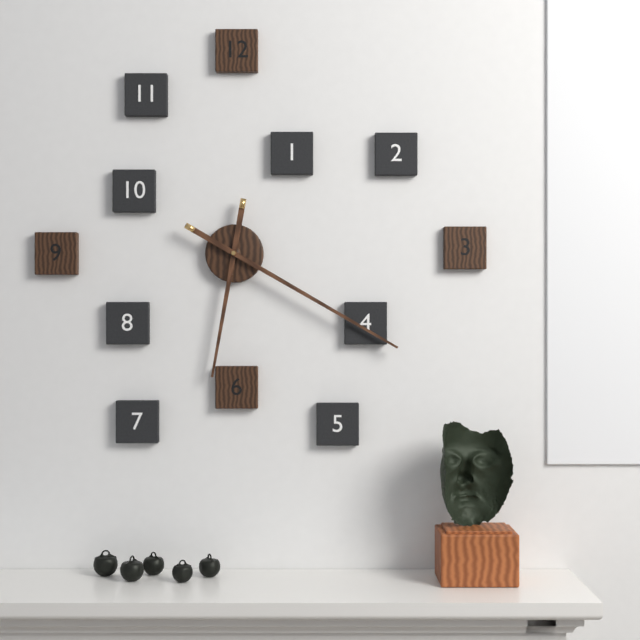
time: 6:20
